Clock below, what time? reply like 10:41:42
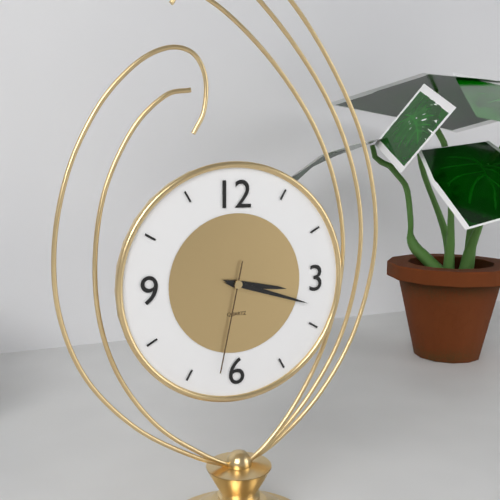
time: 3:18:32
